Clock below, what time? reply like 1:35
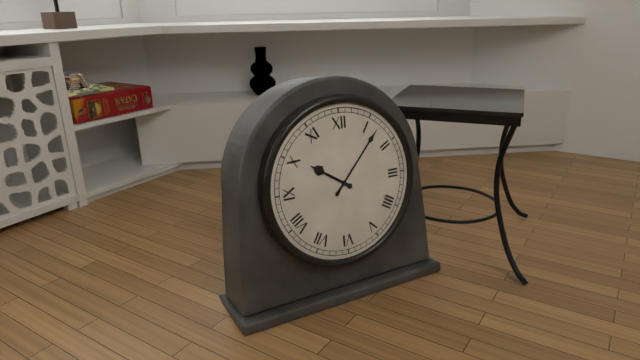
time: 10:07
